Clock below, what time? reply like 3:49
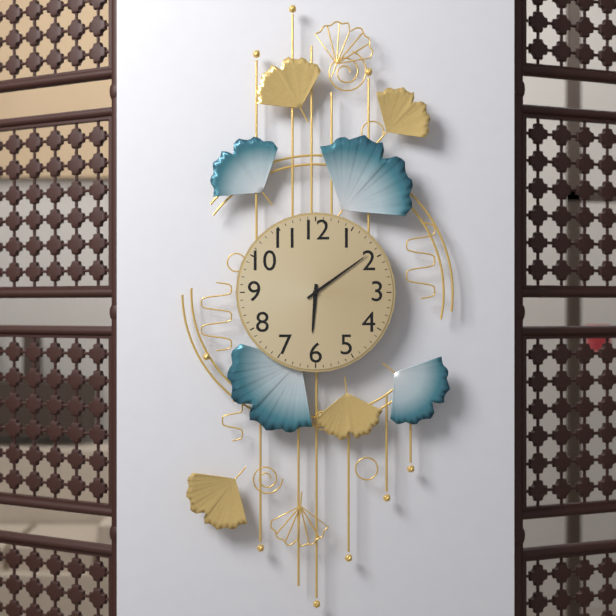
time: 6:09
